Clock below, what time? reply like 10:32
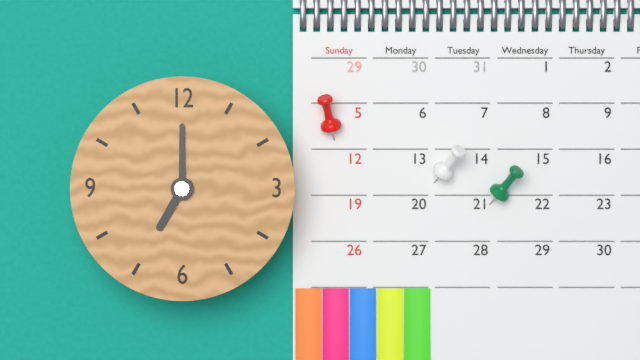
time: 7:00
